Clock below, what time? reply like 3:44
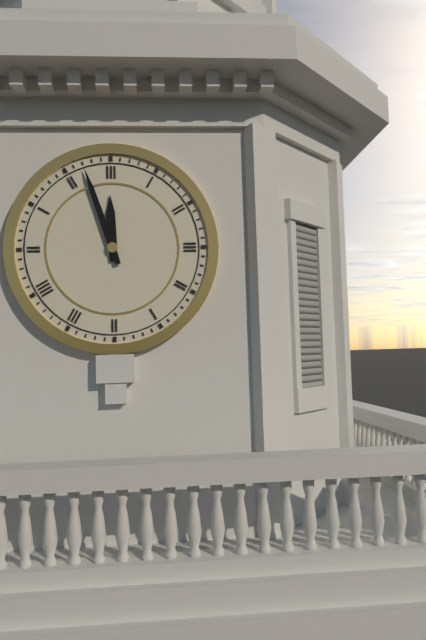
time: 11:57
